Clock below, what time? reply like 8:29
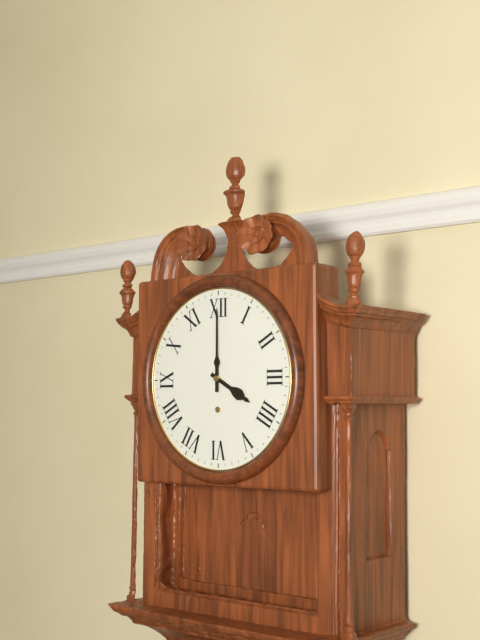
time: 4:00
